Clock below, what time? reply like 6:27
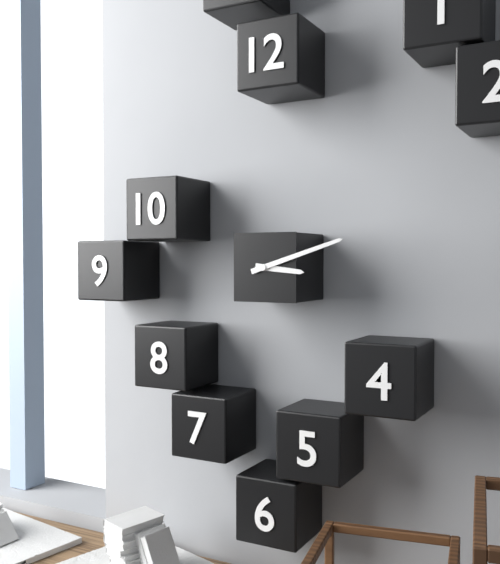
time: 3:12
